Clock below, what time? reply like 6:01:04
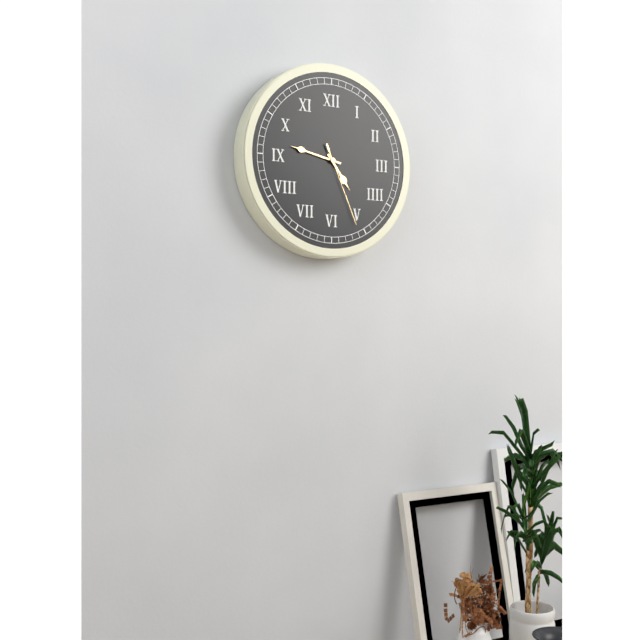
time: 4:47:26
